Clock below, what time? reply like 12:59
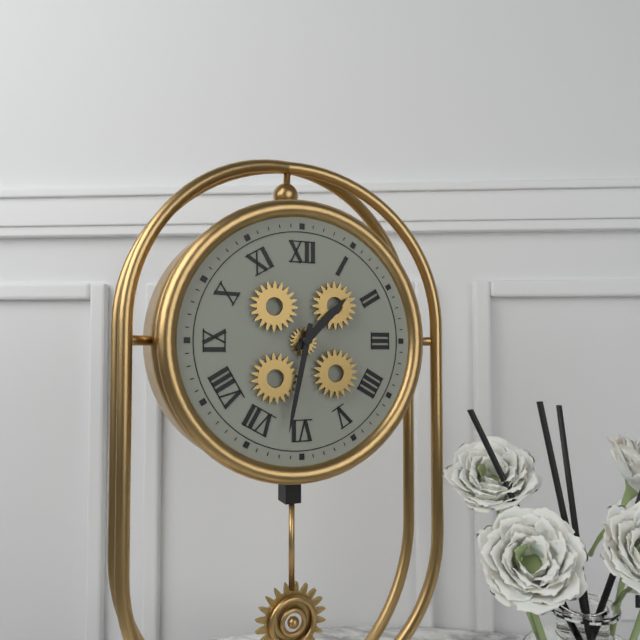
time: 1:32
